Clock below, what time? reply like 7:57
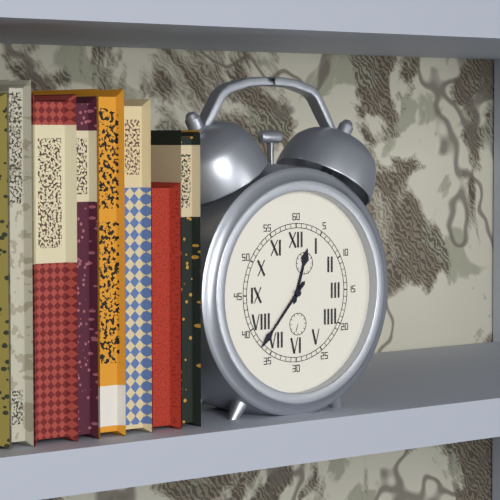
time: 12:37
